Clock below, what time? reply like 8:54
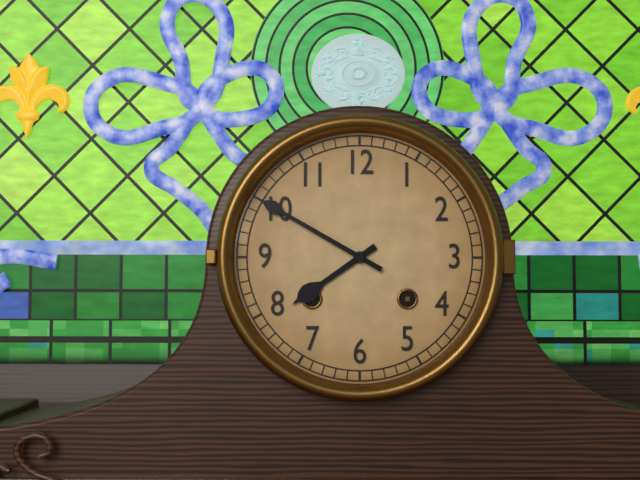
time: 7:50
